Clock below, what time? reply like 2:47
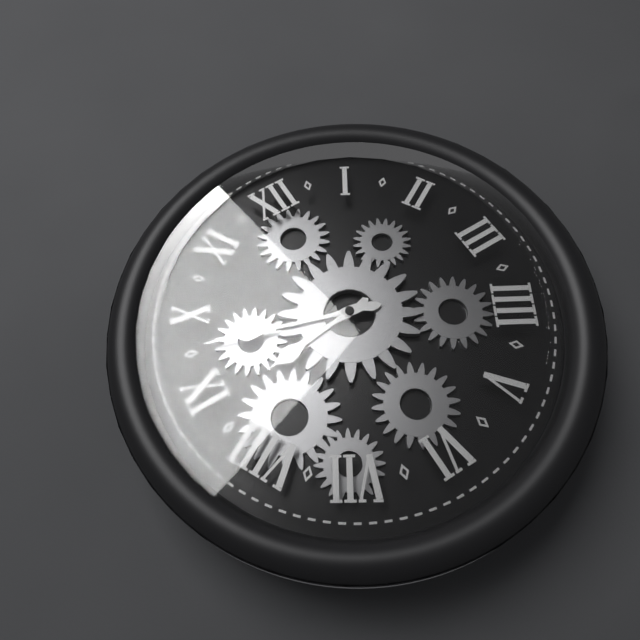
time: 8:48
